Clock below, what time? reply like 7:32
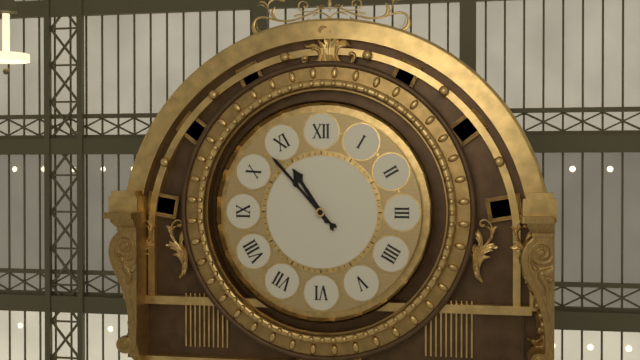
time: 10:53
